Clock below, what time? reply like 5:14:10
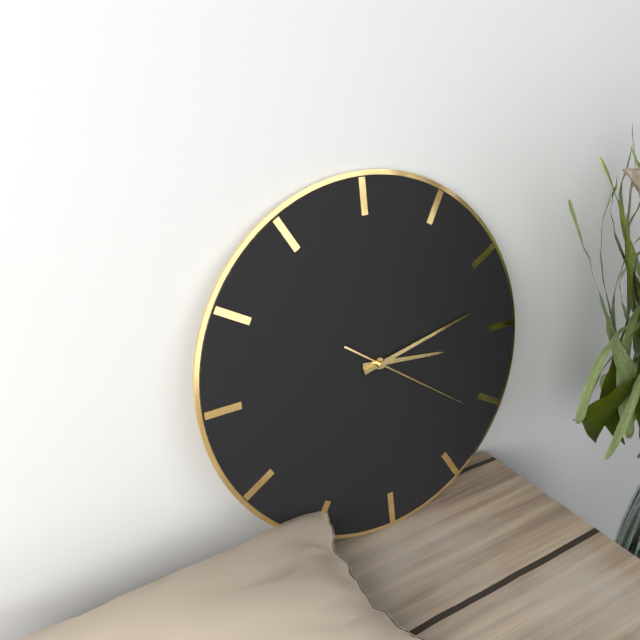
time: 3:13:21
